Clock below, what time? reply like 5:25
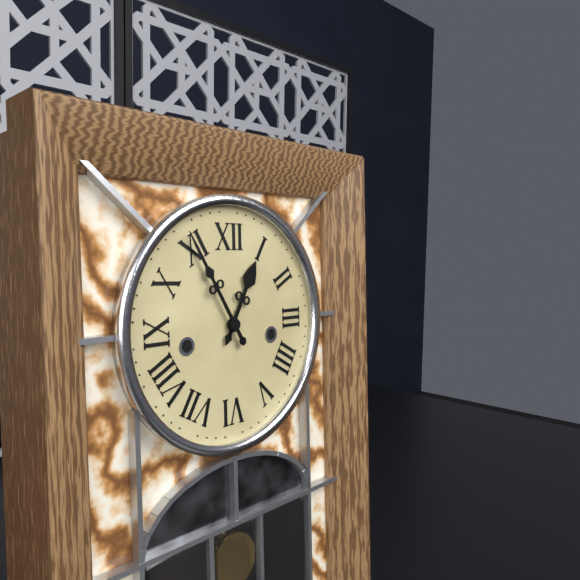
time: 12:55
